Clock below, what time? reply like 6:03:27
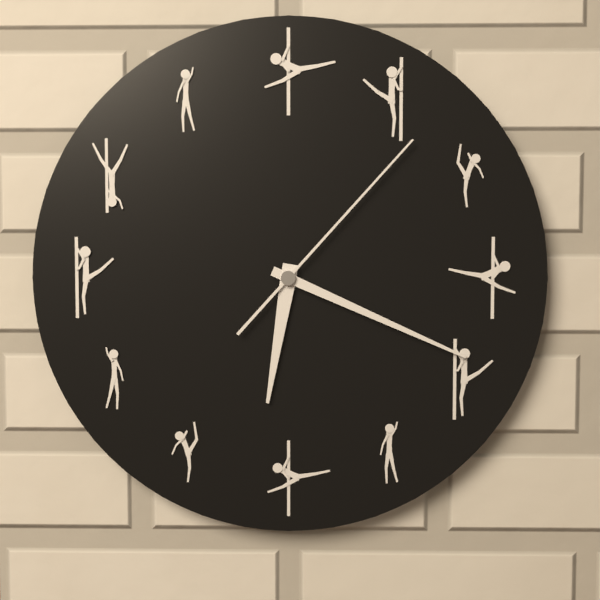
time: 6:19:07
